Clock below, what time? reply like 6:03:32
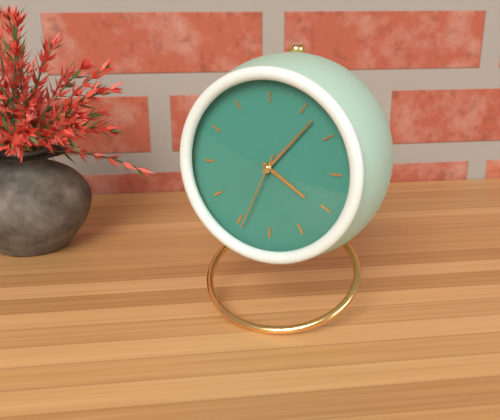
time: 4:07:34
